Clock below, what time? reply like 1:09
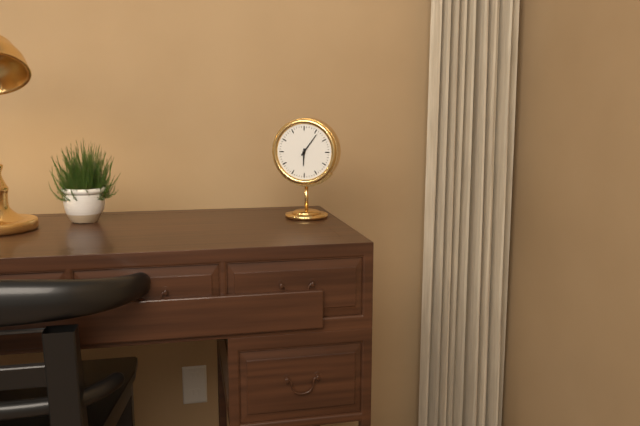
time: 6:06
